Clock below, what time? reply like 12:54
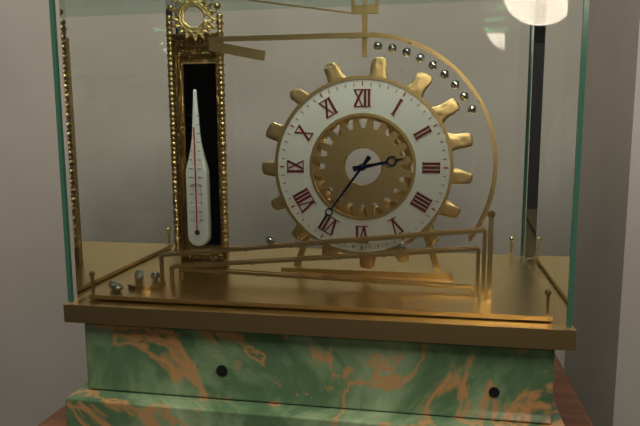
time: 2:36
